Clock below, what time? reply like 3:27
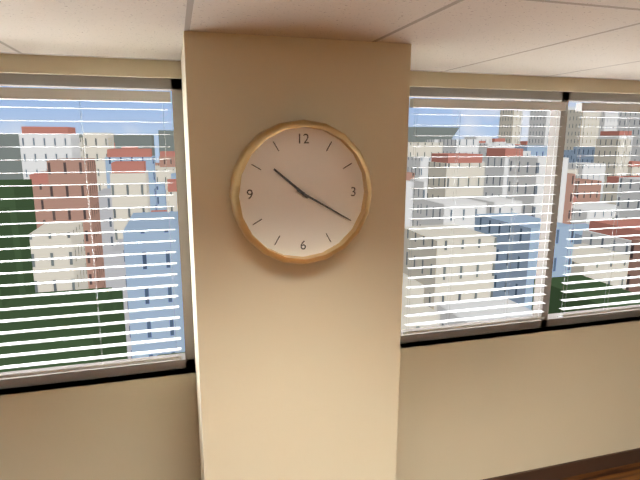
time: 10:20
